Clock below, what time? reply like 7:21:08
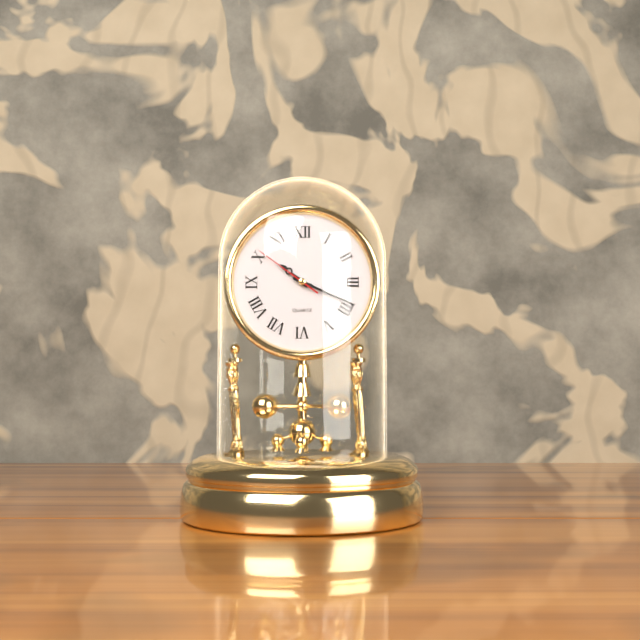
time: 10:19:51
